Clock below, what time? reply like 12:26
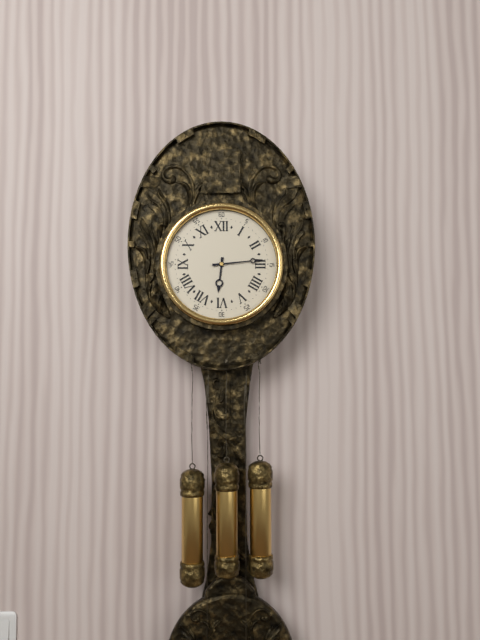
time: 6:14
